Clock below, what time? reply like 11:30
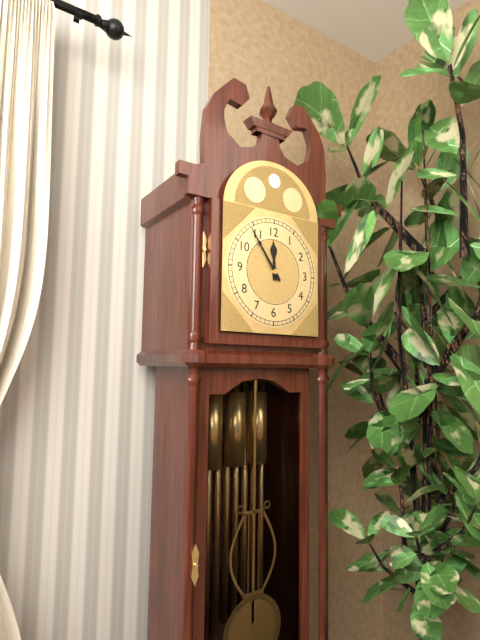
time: 11:54
